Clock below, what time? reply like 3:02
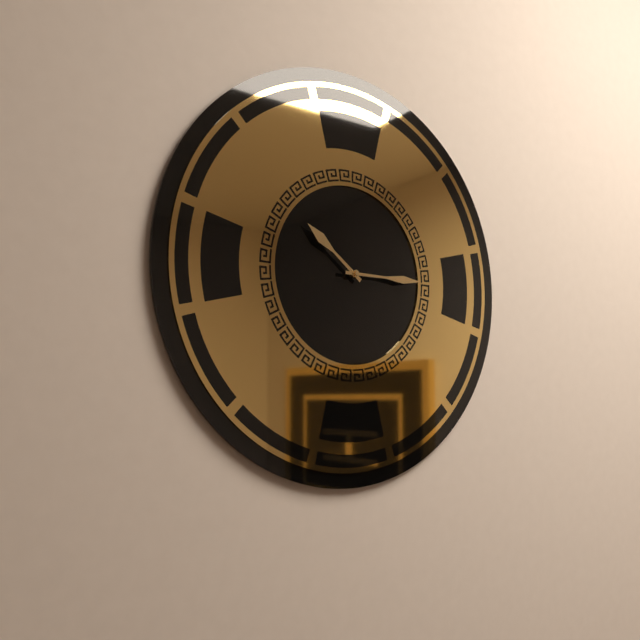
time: 10:15
